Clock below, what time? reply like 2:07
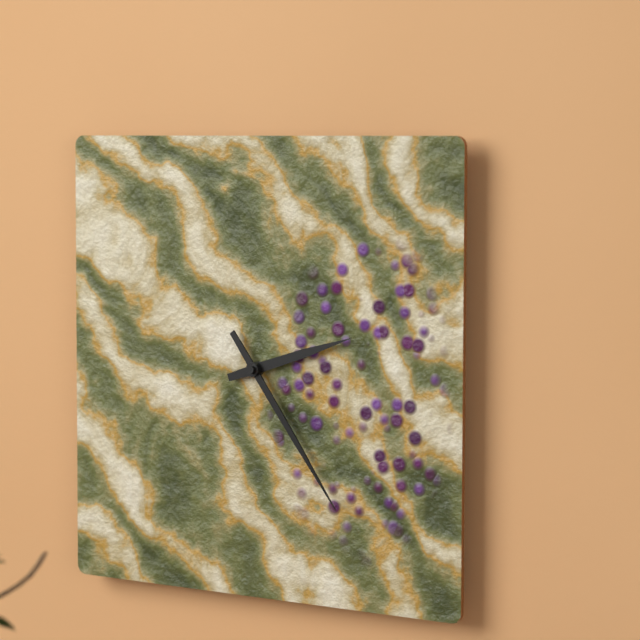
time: 2:24
